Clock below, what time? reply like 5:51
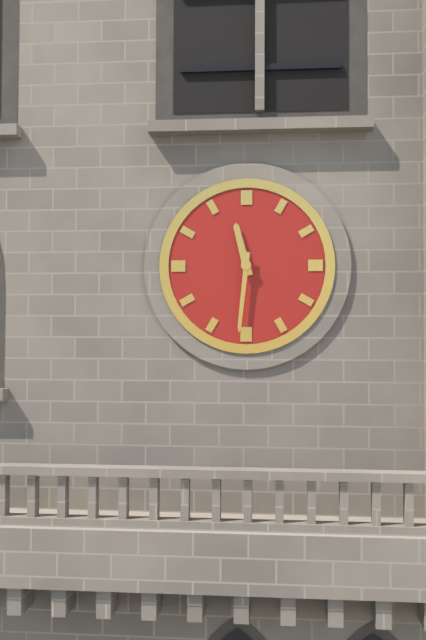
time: 11:31
